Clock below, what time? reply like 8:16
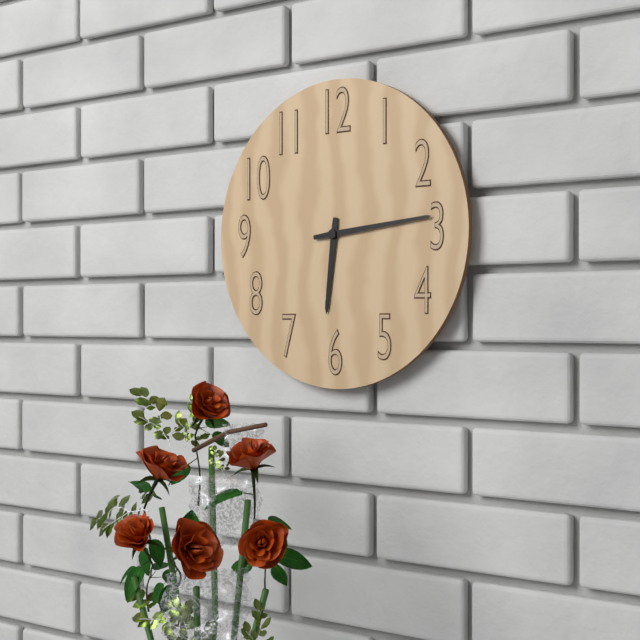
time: 6:14
